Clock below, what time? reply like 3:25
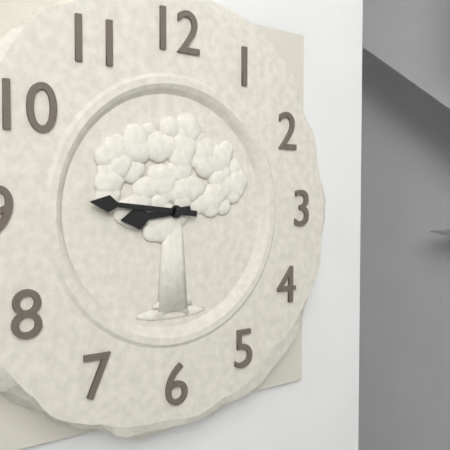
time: 8:46
